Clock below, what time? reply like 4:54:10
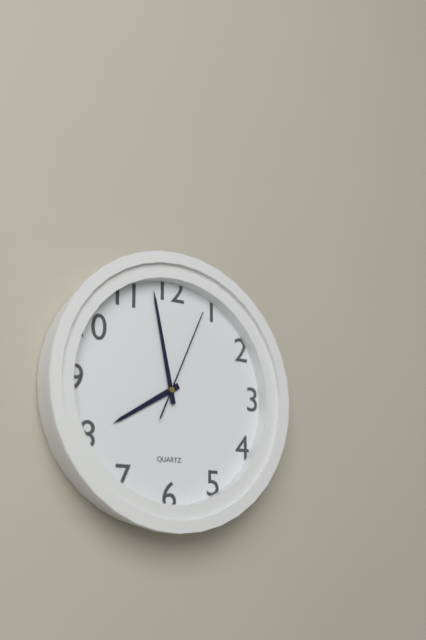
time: 7:58:04
